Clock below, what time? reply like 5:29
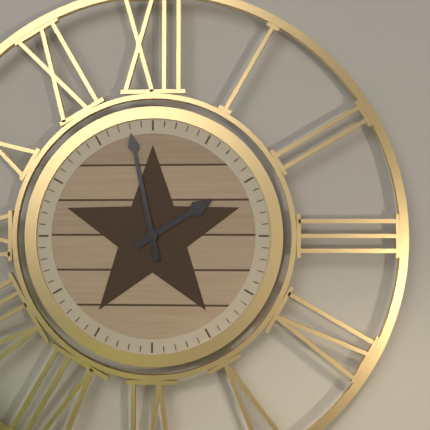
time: 1:58
